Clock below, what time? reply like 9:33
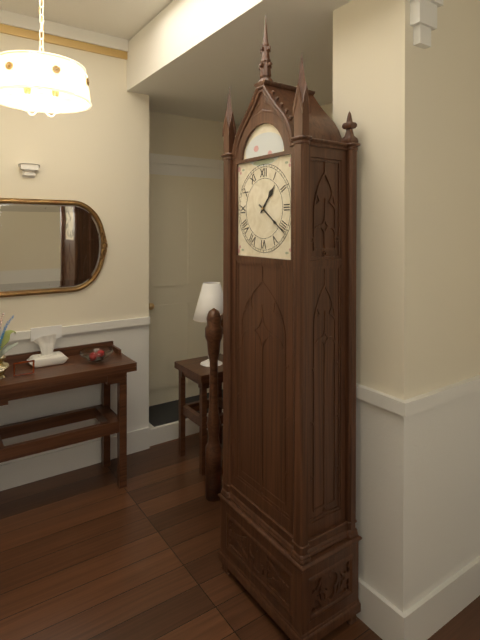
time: 1:21
